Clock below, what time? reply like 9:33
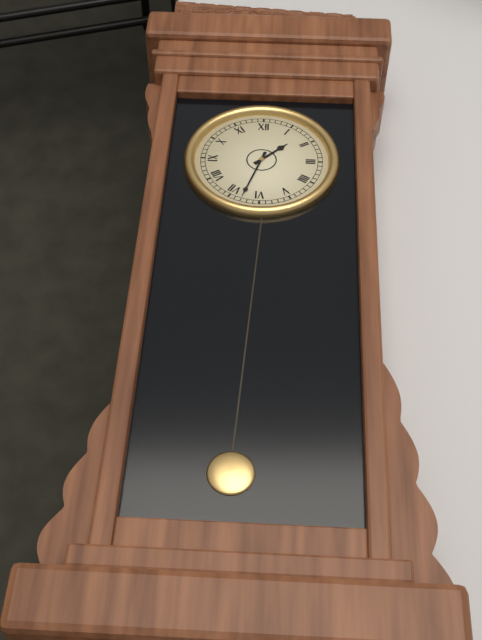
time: 1:33
